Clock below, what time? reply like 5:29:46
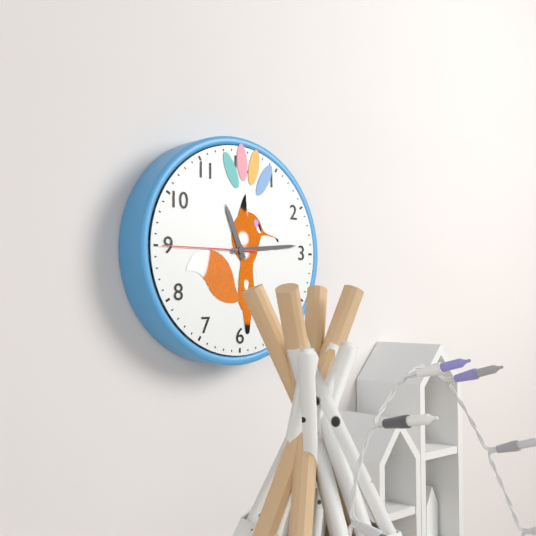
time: 11:14:45
